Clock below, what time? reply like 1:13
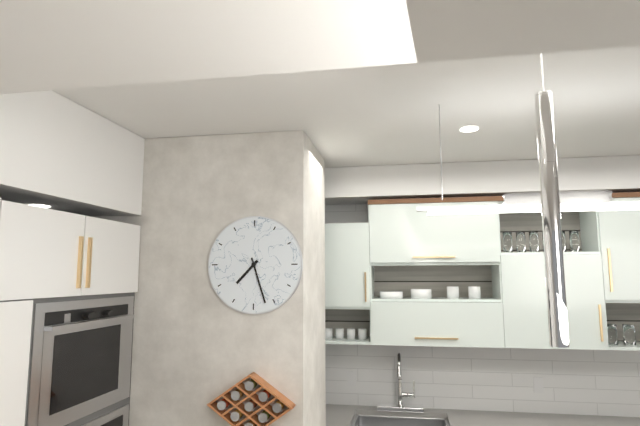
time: 7:27
